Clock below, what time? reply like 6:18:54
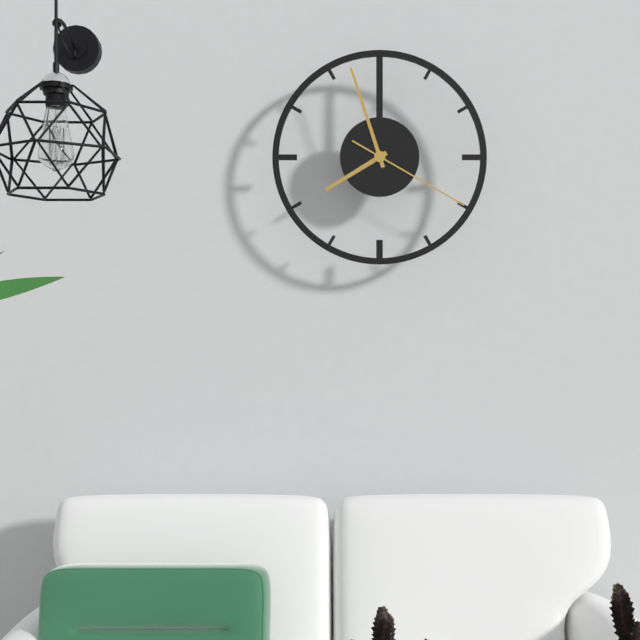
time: 7:57:20
